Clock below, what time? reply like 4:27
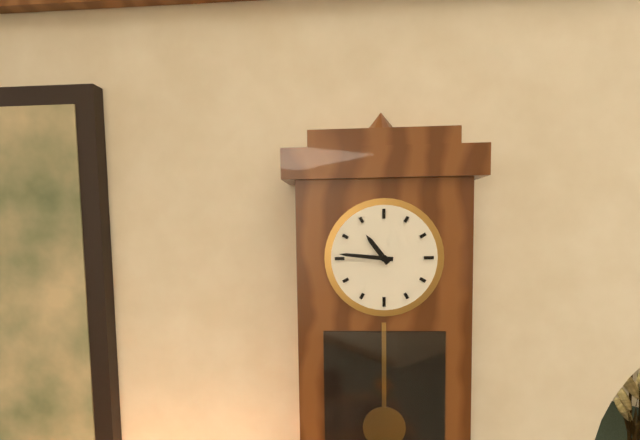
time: 10:46
